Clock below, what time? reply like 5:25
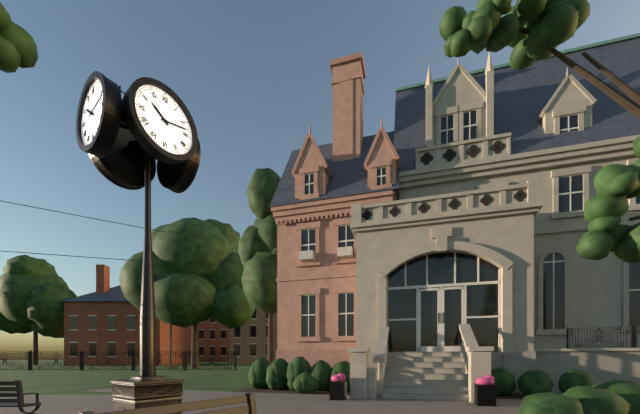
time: 10:13
